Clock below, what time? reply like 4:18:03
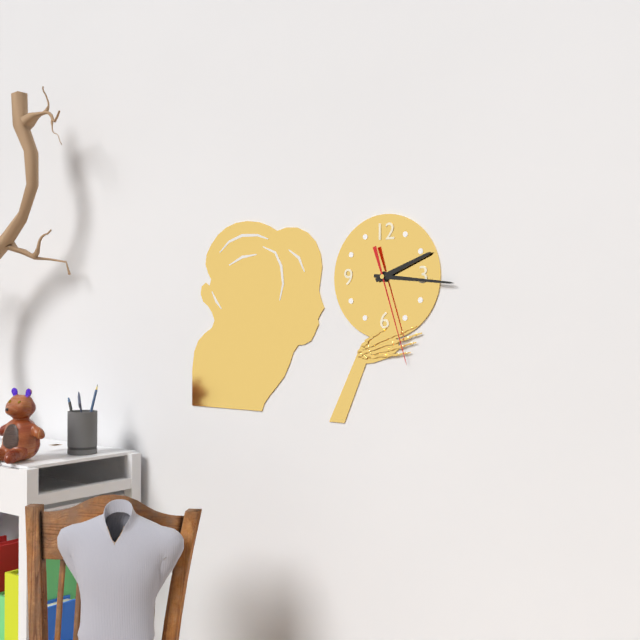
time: 2:16:27
